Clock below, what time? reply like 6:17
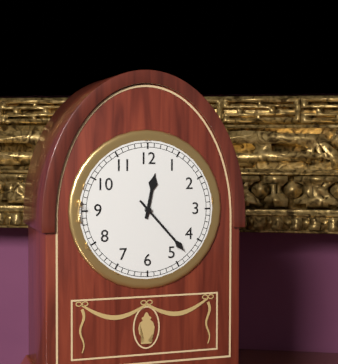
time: 12:23
